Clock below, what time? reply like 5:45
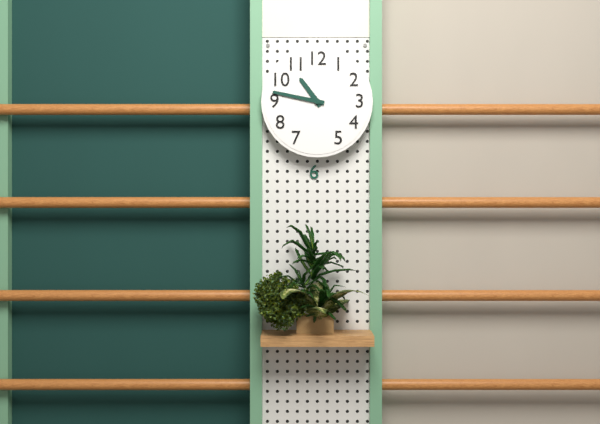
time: 10:47
